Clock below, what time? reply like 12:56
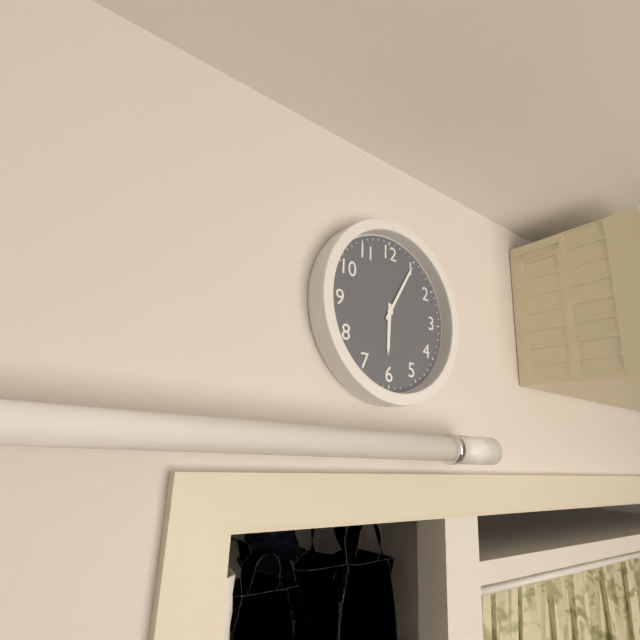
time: 6:05
